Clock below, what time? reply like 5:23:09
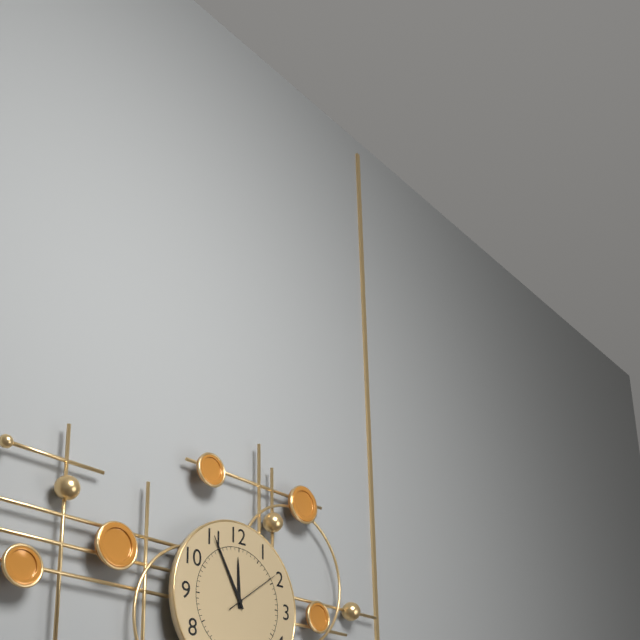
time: 11:55:09
